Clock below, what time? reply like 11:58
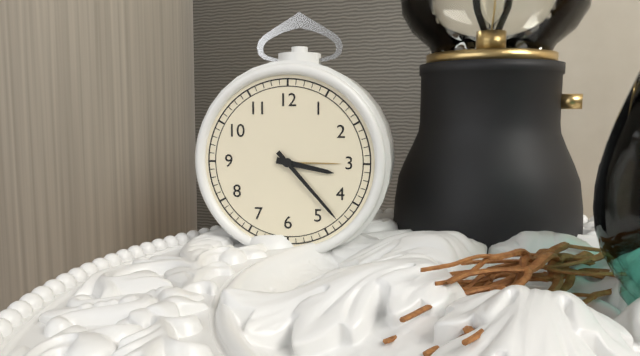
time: 3:23
